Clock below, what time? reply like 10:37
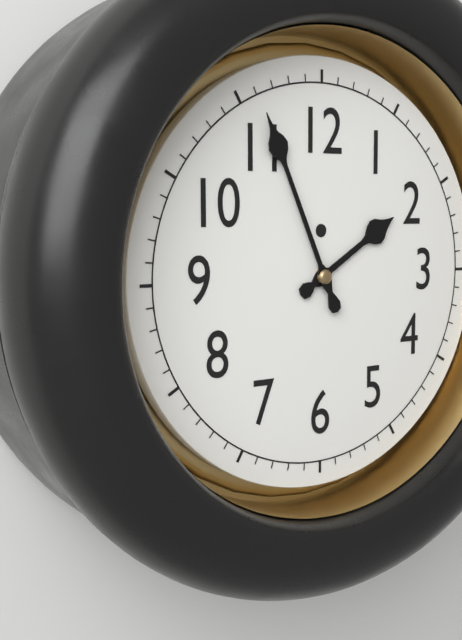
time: 1:56
